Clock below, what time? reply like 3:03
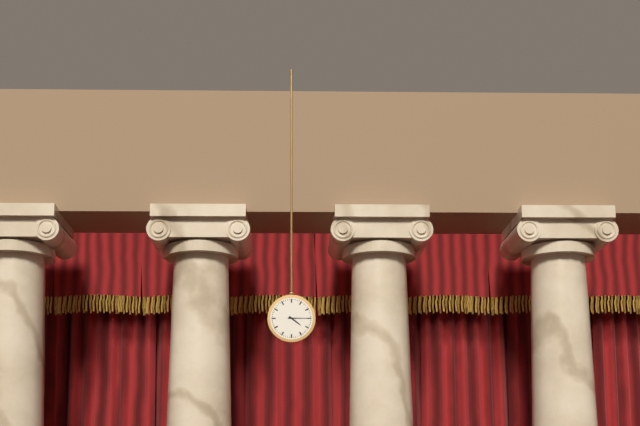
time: 4:15
